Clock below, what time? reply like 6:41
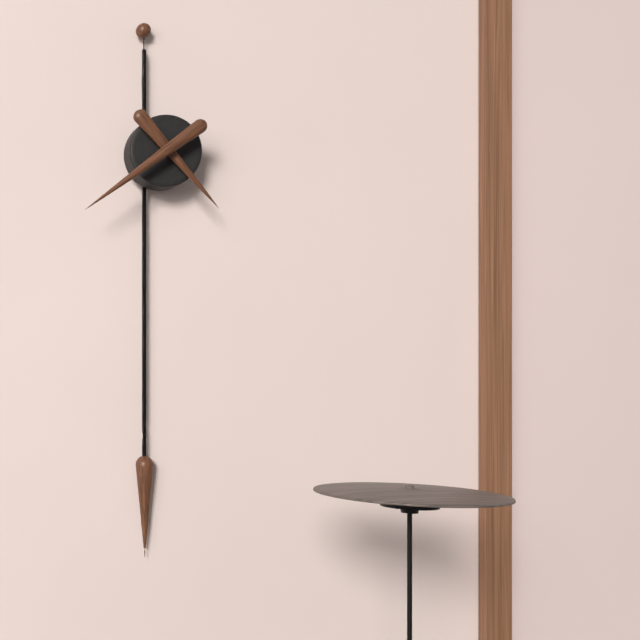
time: 4:39
